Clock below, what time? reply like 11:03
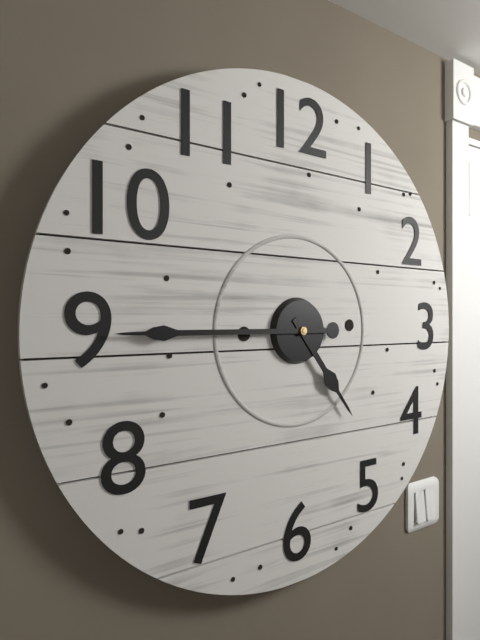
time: 4:45
